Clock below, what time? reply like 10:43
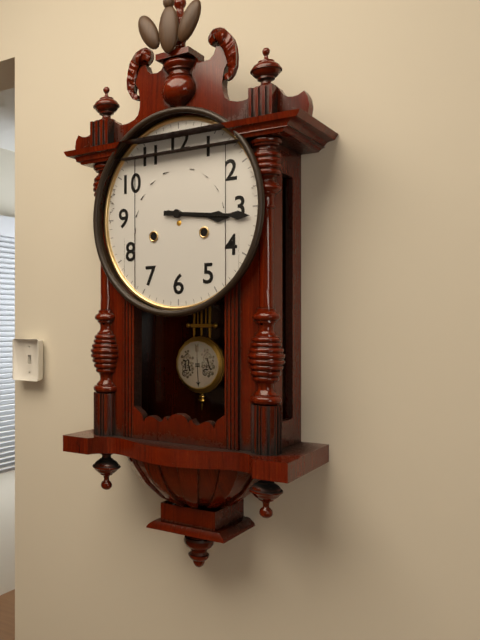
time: 3:16
